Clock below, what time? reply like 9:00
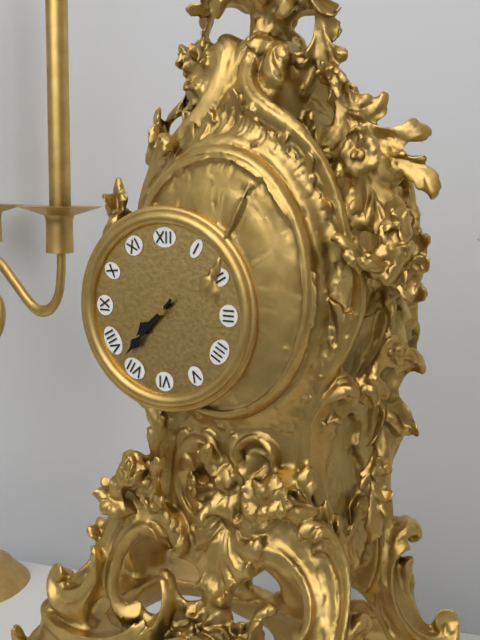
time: 7:37
